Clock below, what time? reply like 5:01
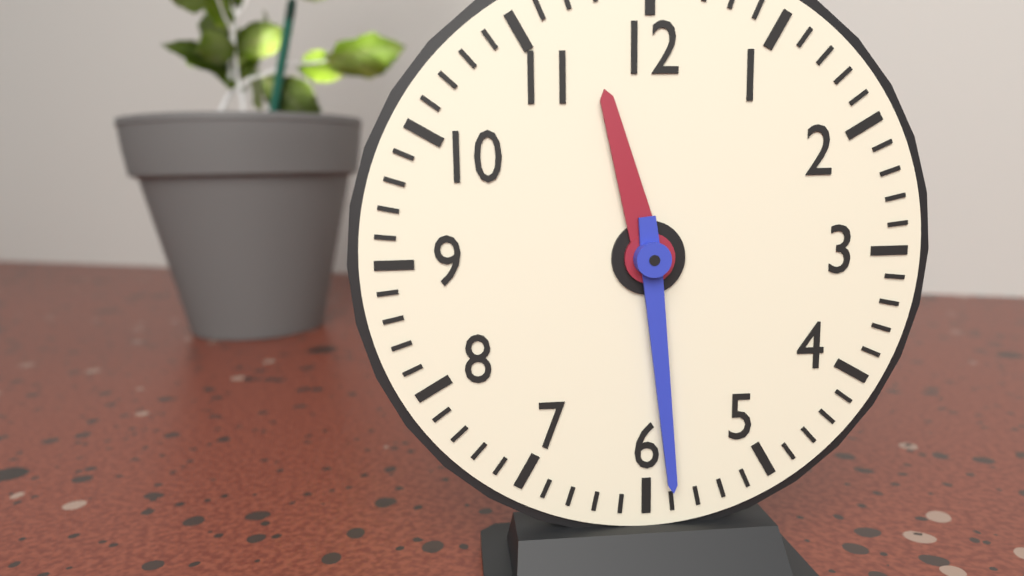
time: 11:29
